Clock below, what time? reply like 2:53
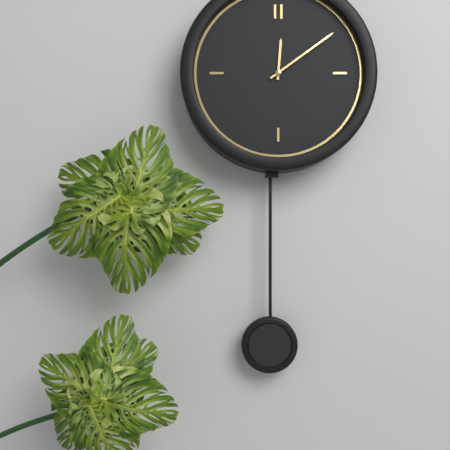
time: 12:09
